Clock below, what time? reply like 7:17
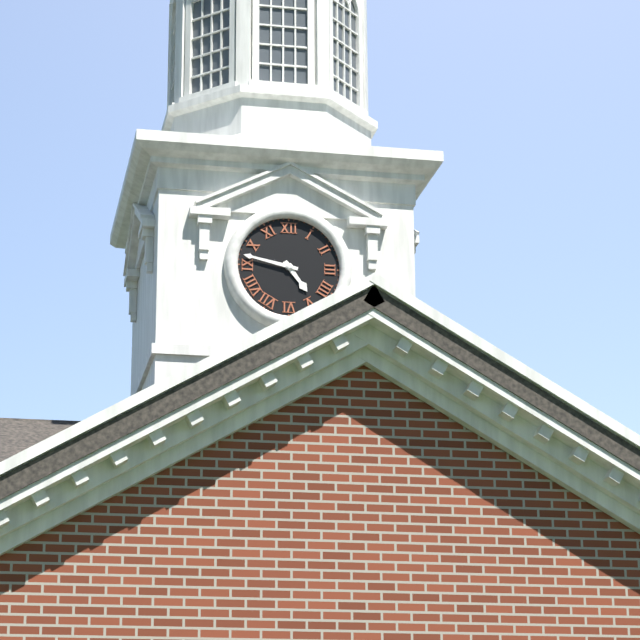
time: 4:47
